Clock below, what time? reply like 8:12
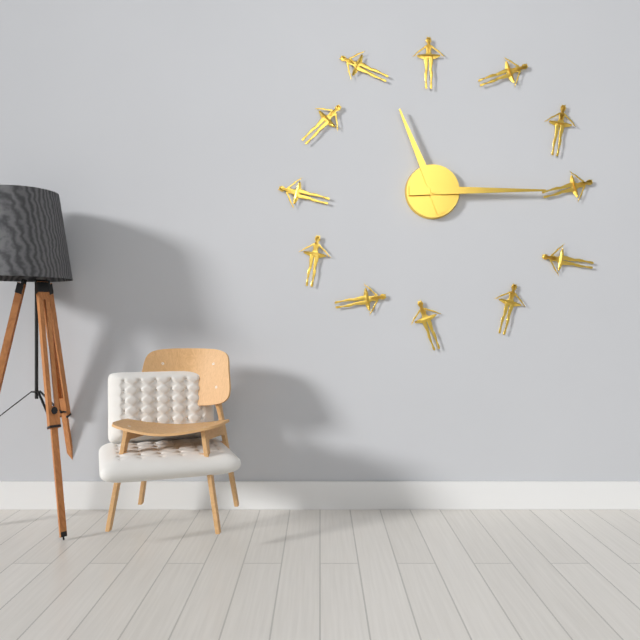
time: 11:15
